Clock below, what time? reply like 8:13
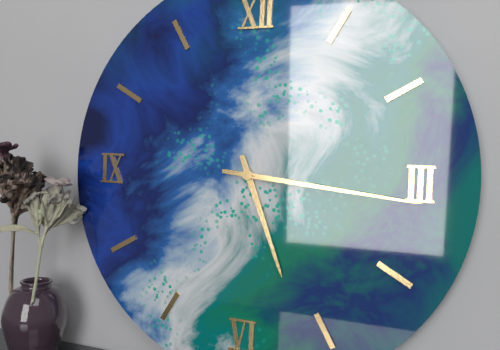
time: 5:16
